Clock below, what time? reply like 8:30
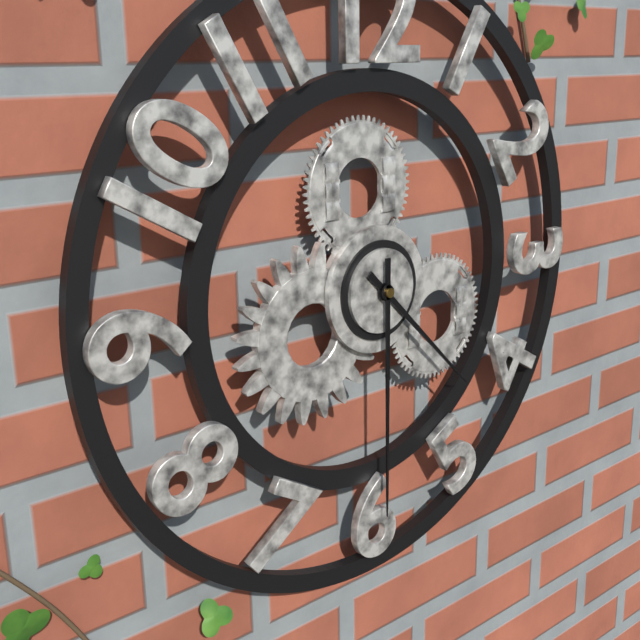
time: 4:30
